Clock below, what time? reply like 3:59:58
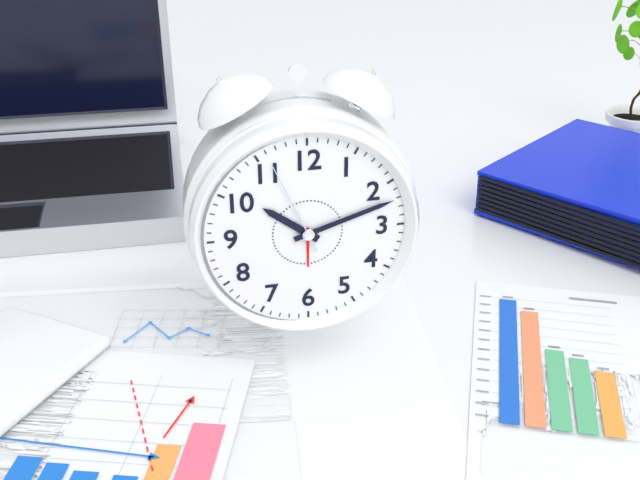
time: 10:12:56
